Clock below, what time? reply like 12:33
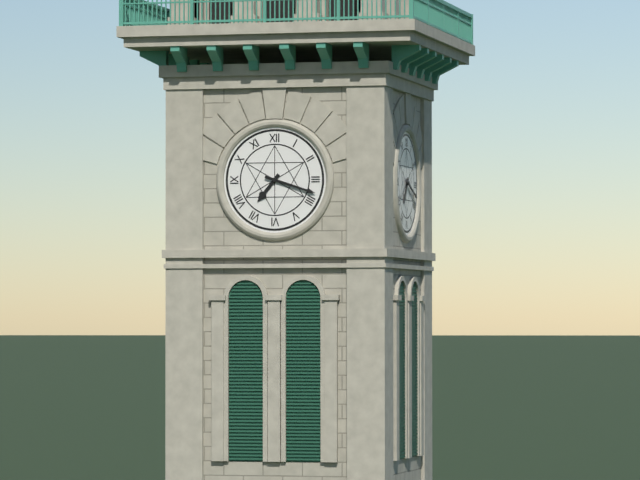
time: 7:18
